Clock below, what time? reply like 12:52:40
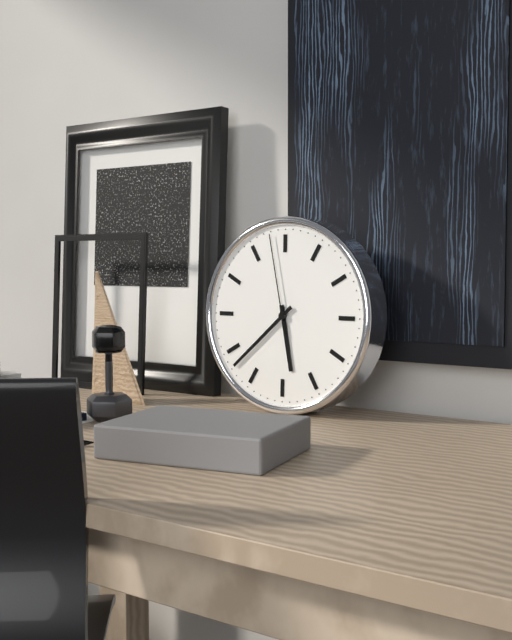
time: 5:38:58
